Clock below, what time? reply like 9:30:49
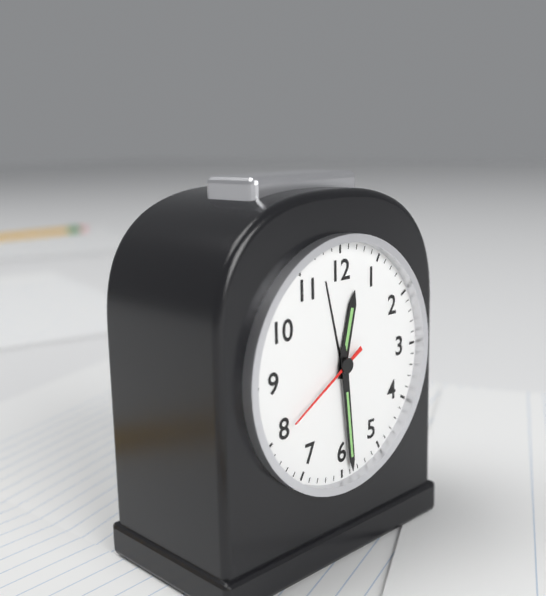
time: 12:29:40
